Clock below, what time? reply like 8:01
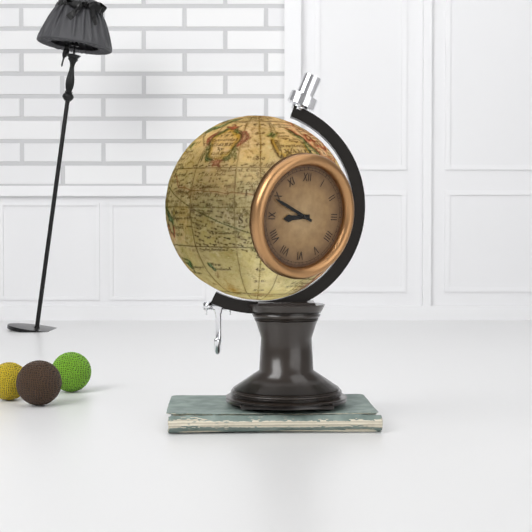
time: 8:49
